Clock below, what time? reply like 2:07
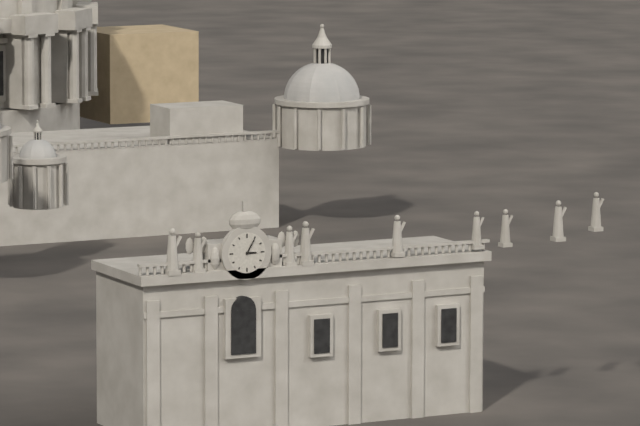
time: 3:05
